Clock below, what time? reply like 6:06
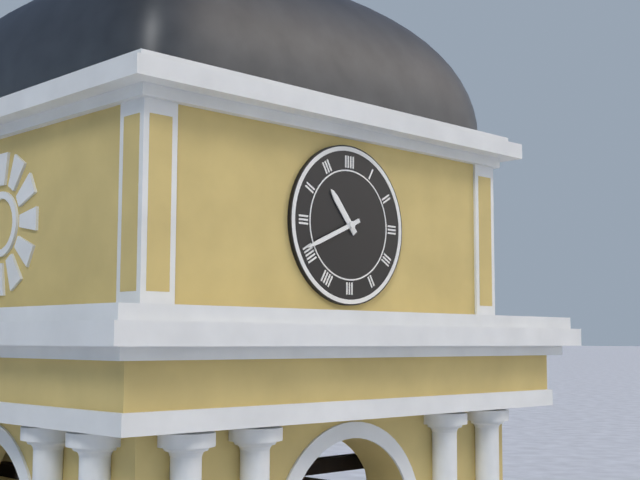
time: 10:41
